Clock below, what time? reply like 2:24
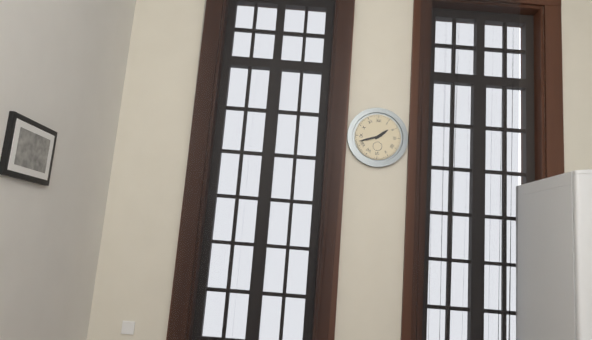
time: 1:42
